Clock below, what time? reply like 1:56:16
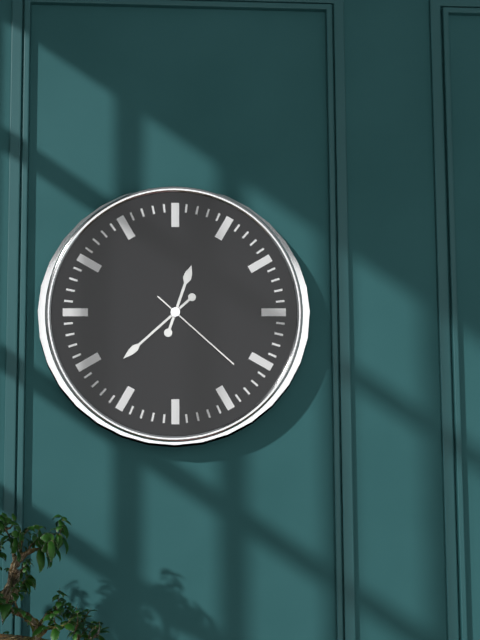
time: 12:38:22
